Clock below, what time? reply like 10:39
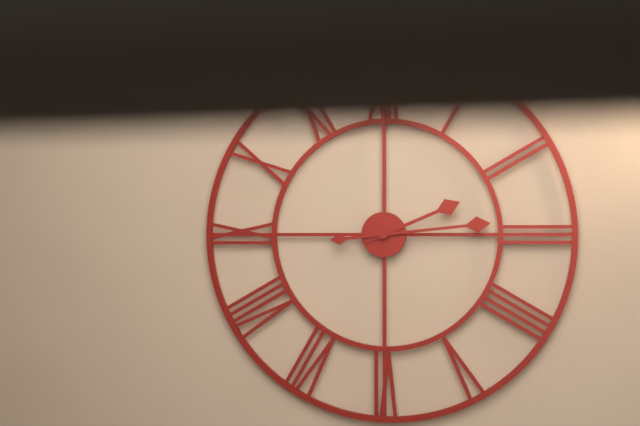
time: 2:14
